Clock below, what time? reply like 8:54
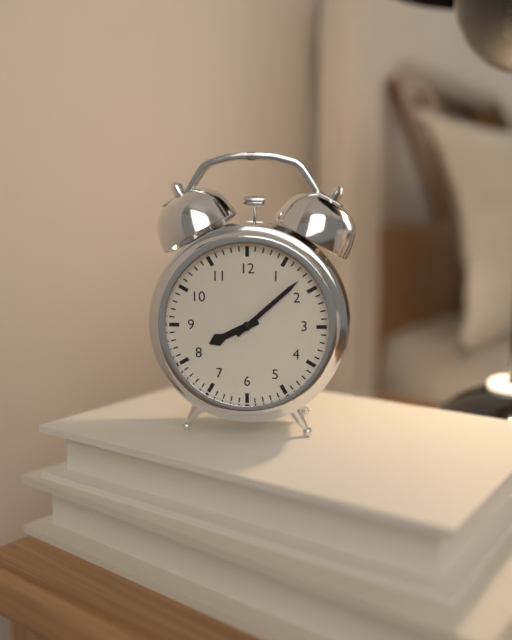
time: 8:08
